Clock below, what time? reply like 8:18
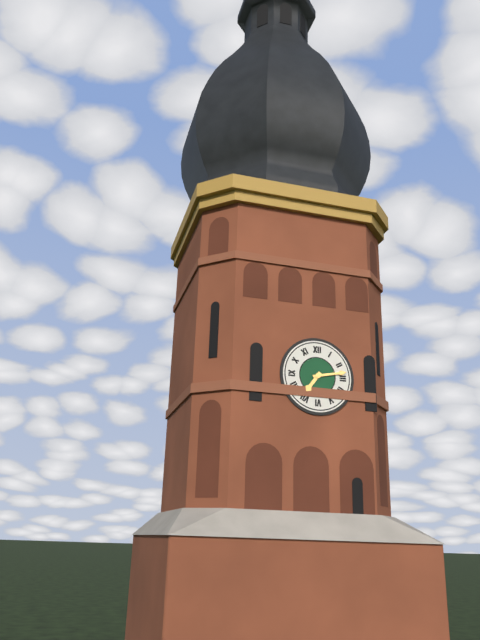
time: 7:13
